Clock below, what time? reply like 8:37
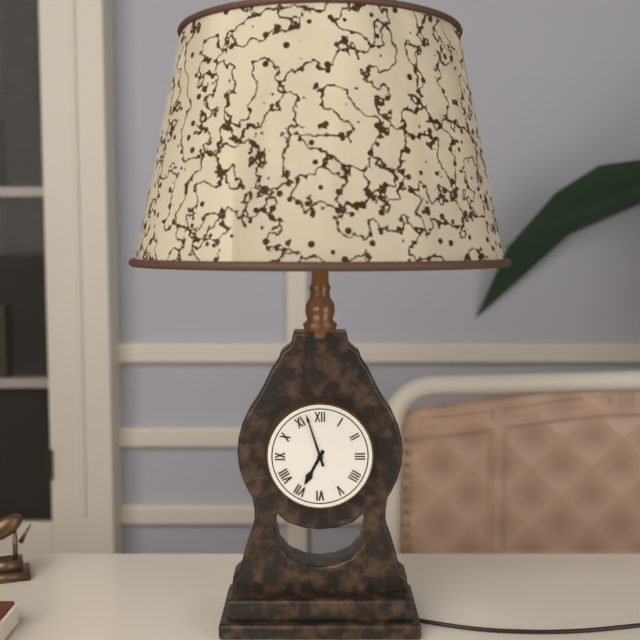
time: 6:57
